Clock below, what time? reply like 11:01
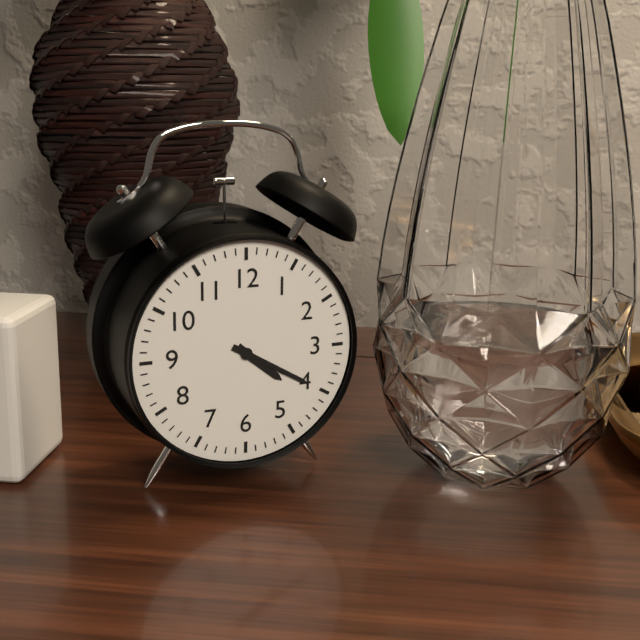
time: 4:20
